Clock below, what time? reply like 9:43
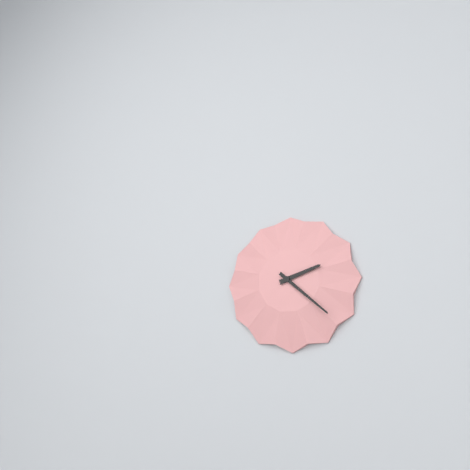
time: 2:22
